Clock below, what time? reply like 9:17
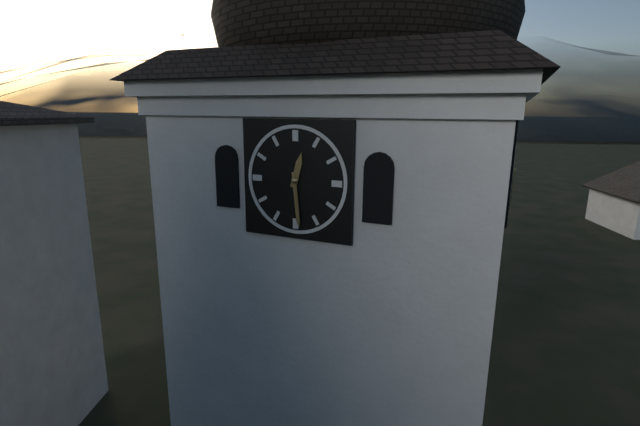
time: 12:29
